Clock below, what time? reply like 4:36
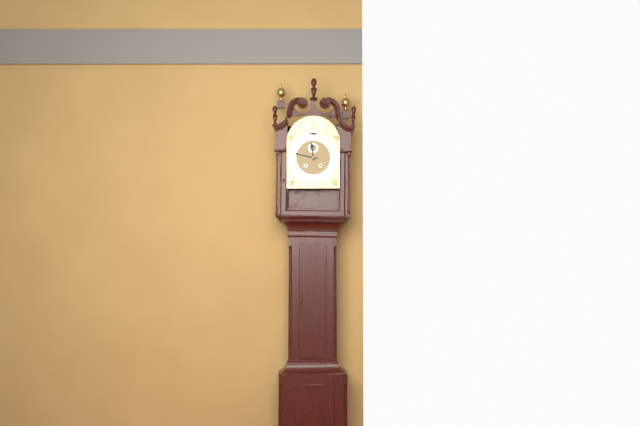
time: 11:47
